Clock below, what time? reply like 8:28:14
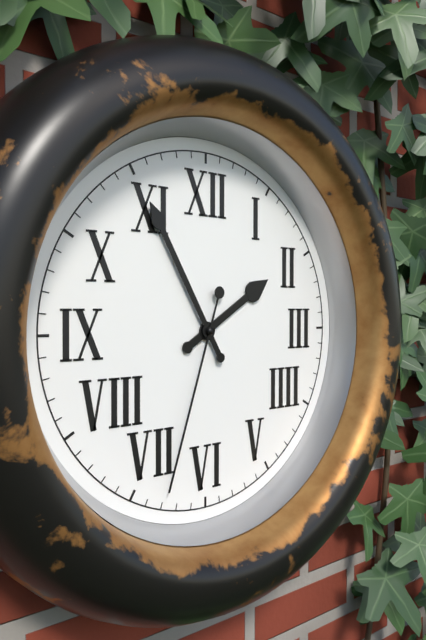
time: 1:55:33
